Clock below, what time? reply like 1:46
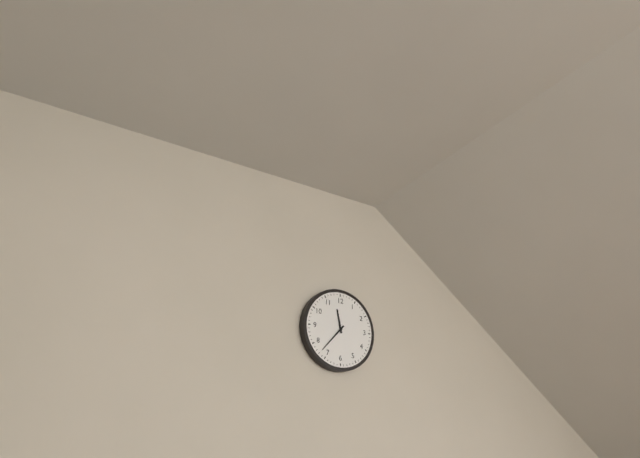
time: 11:37
